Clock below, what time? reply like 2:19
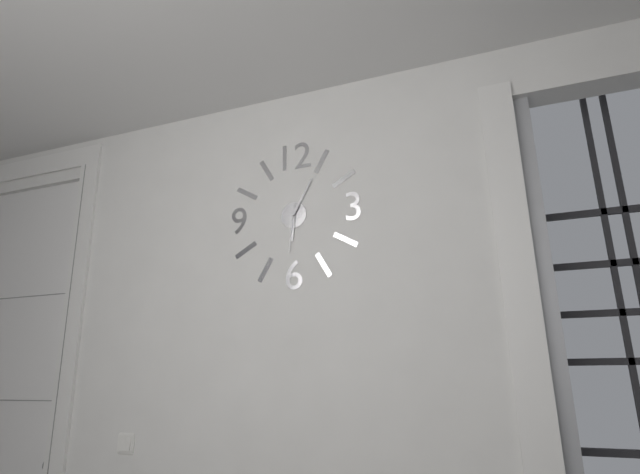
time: 6:05
